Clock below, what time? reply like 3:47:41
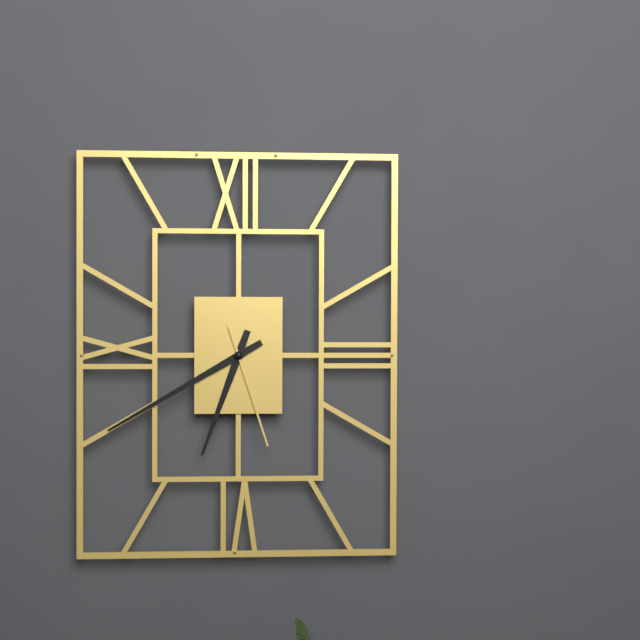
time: 6:40:27
